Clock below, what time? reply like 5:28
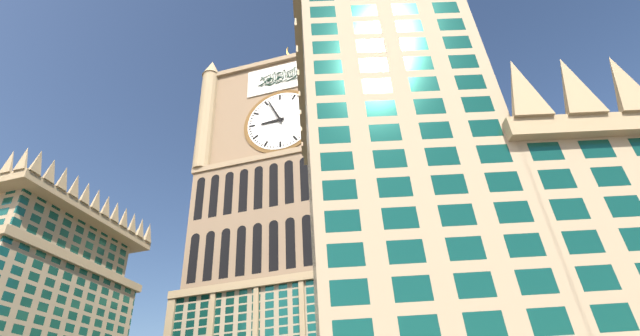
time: 8:56
